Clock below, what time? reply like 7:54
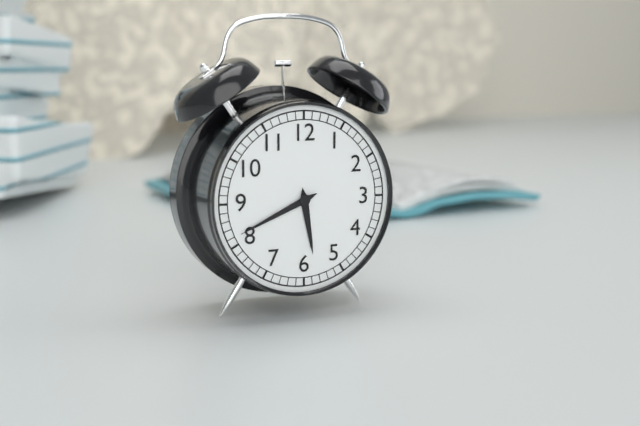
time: 5:41
